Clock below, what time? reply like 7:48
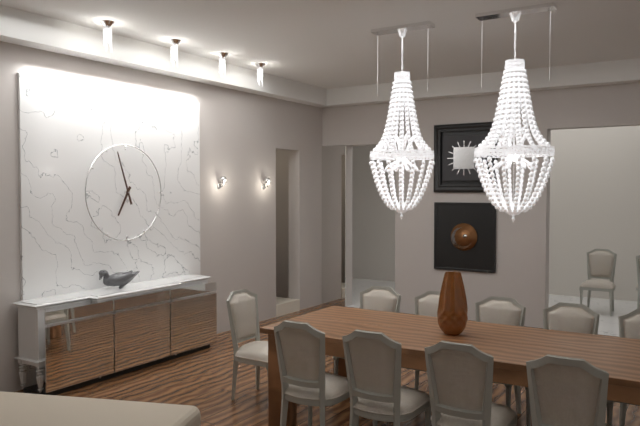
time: 6:57
